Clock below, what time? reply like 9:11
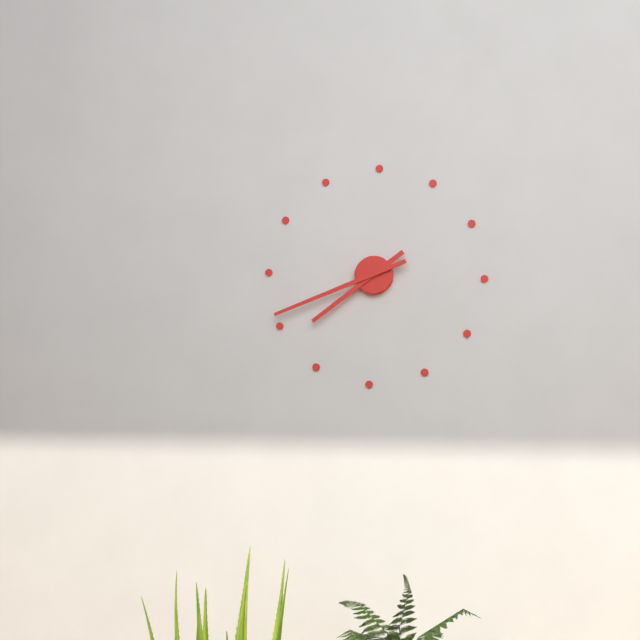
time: 7:41
